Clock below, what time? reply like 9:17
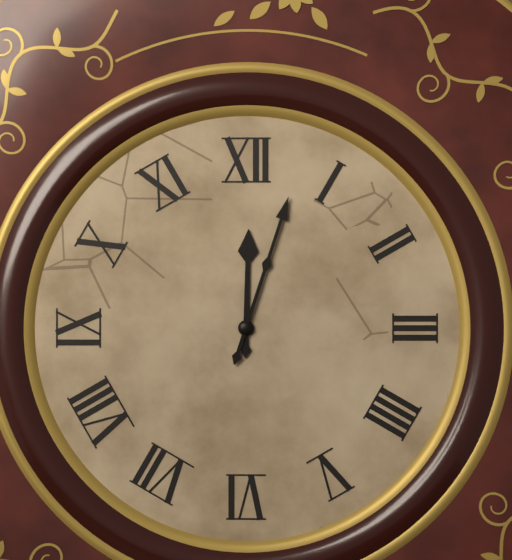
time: 12:03
